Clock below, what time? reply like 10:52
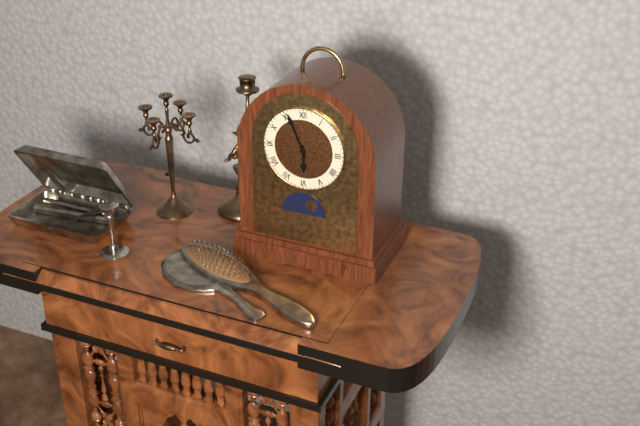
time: 5:56
